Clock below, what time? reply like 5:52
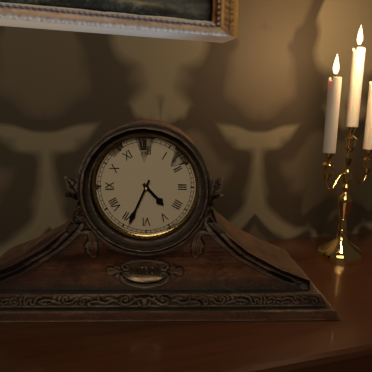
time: 4:34
